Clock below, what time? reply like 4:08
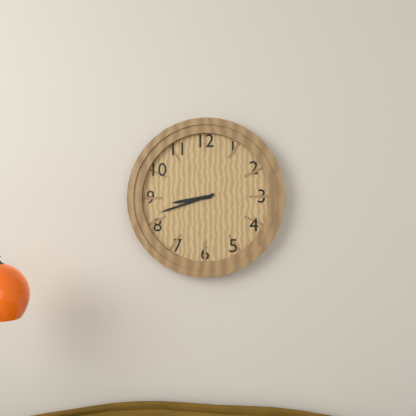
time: 8:42
